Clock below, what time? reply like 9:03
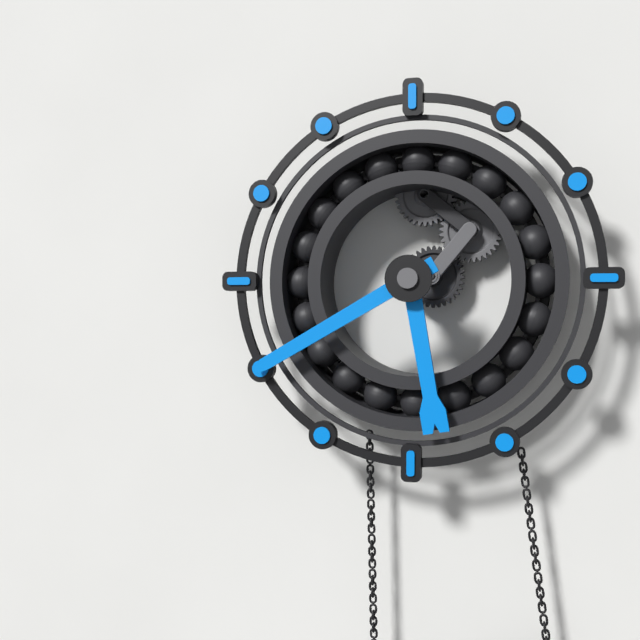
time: 5:40
